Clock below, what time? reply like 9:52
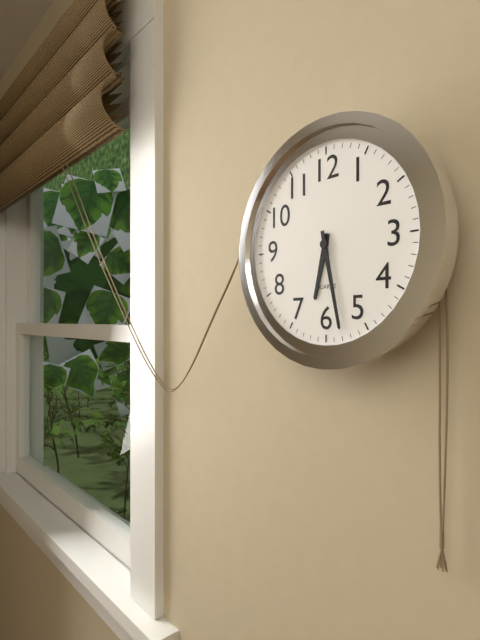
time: 6:28
